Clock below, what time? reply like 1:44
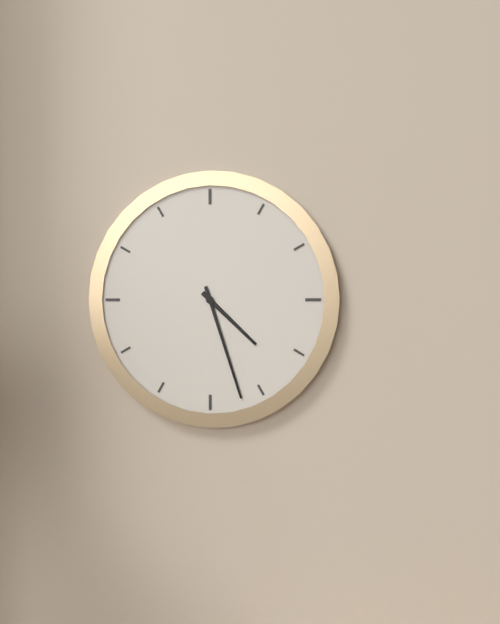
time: 4:27
